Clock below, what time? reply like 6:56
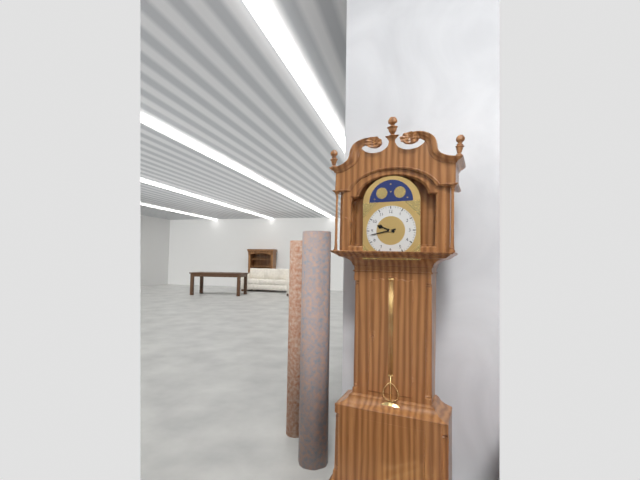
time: 9:43
